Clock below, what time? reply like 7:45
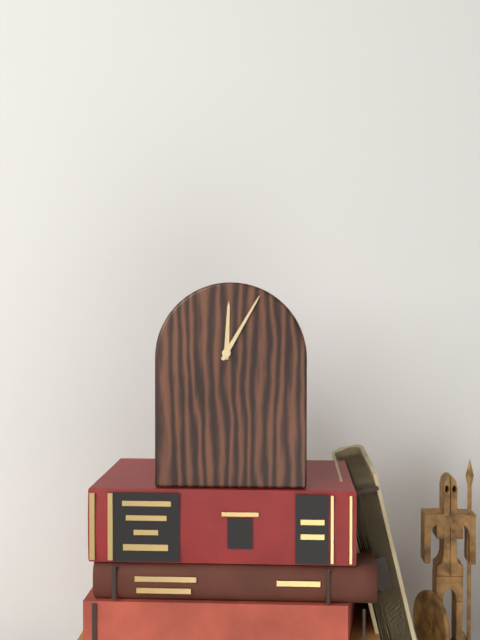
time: 12:05
